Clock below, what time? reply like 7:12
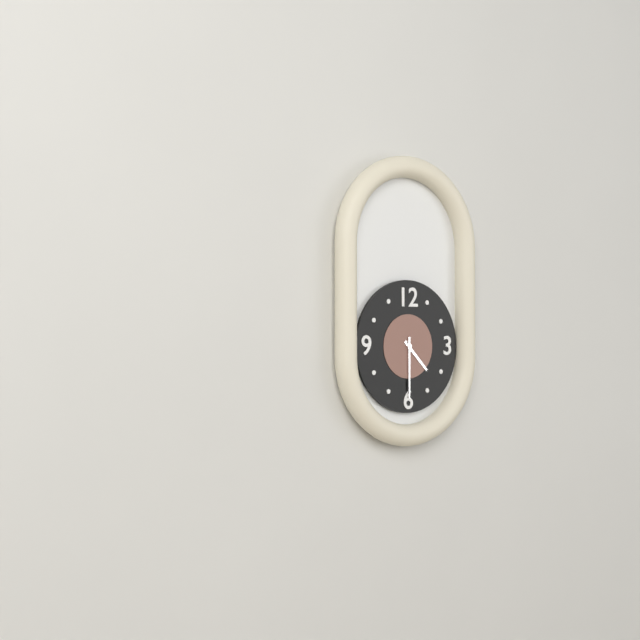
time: 4:30
